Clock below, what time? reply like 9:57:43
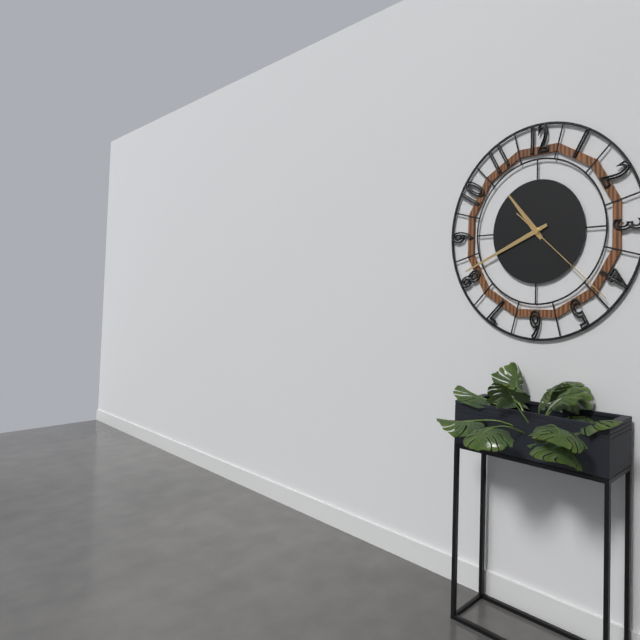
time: 10:41:22
